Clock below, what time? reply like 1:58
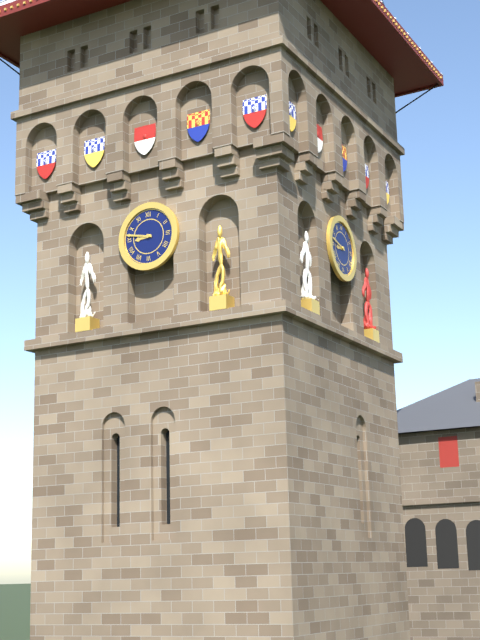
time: 8:47
